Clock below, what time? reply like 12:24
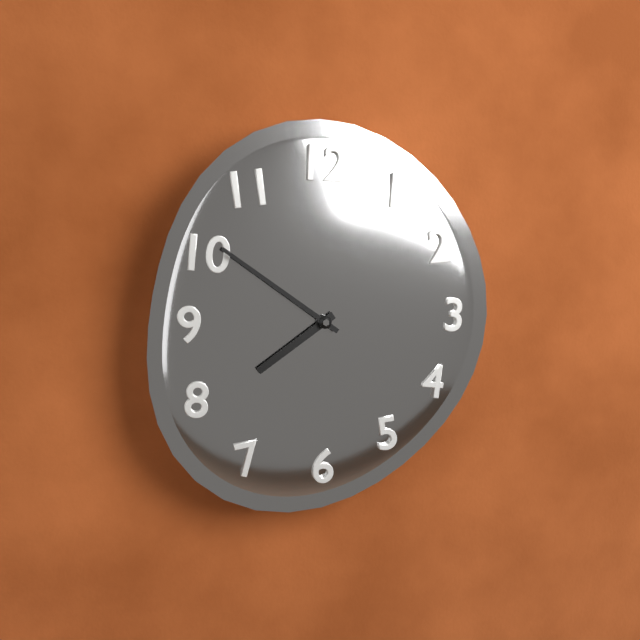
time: 7:51
